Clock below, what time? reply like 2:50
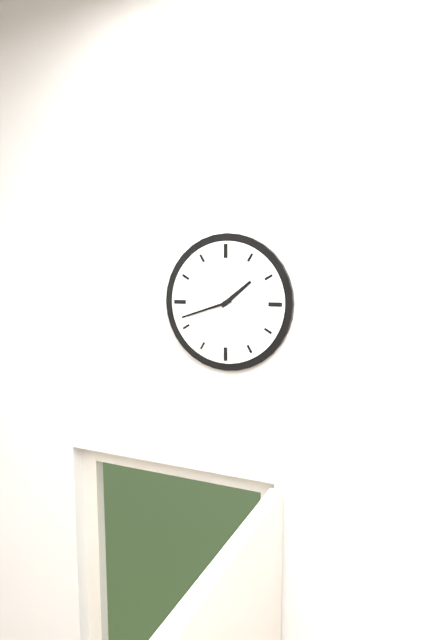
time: 1:42
